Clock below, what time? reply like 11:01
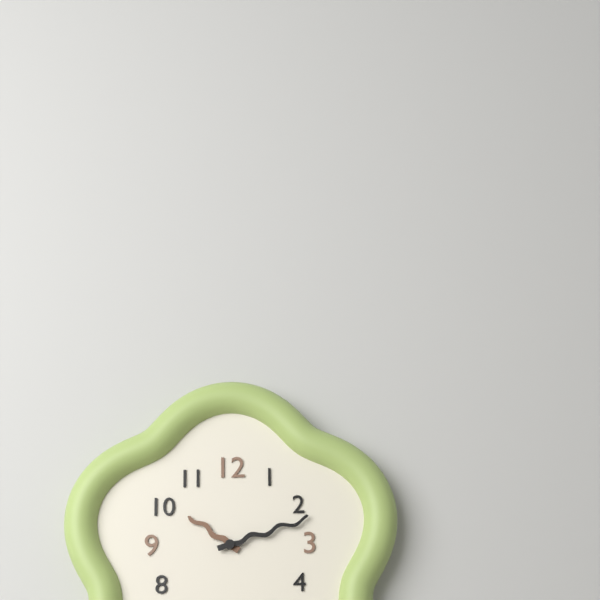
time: 10:12
